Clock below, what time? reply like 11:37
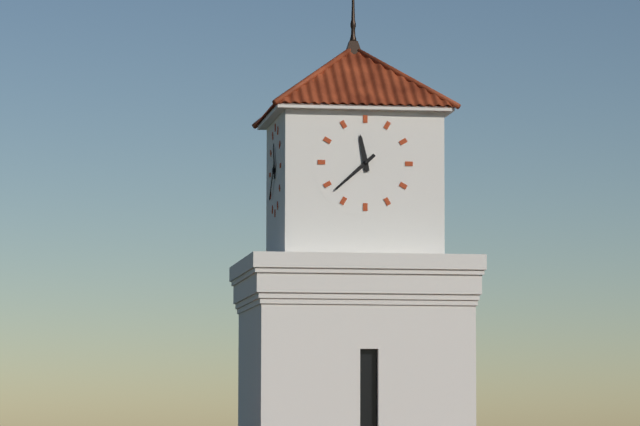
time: 11:38
